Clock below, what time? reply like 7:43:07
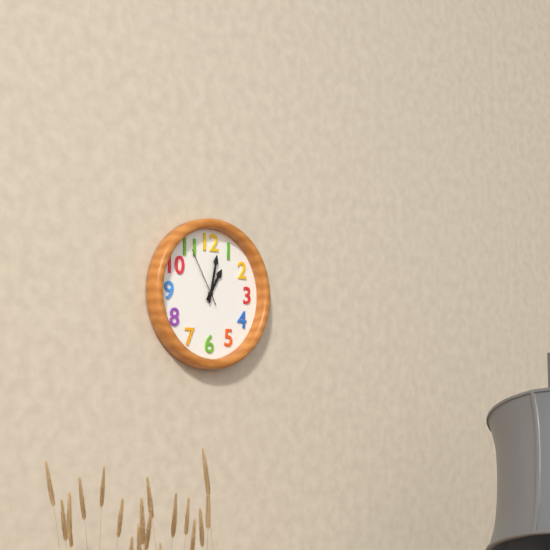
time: 1:02:55
